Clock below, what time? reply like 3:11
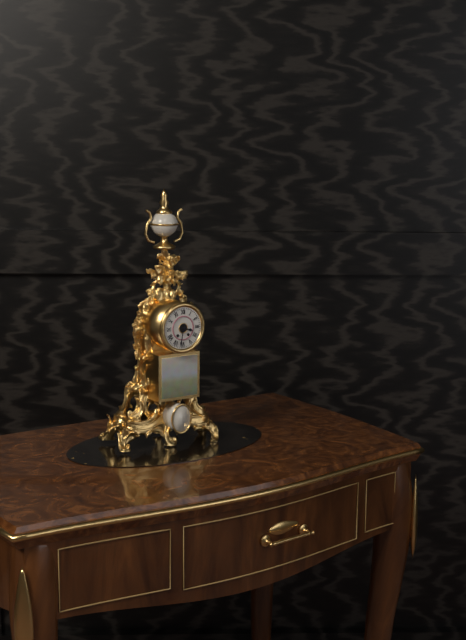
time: 3:32
